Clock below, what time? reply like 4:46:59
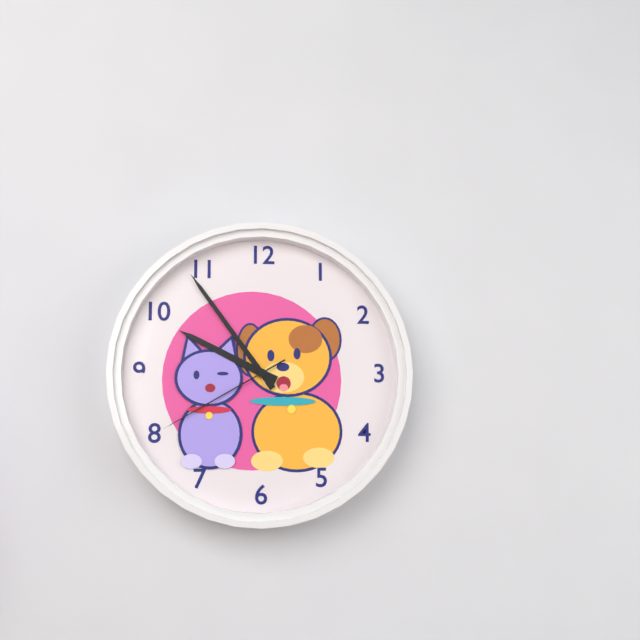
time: 9:54:40
